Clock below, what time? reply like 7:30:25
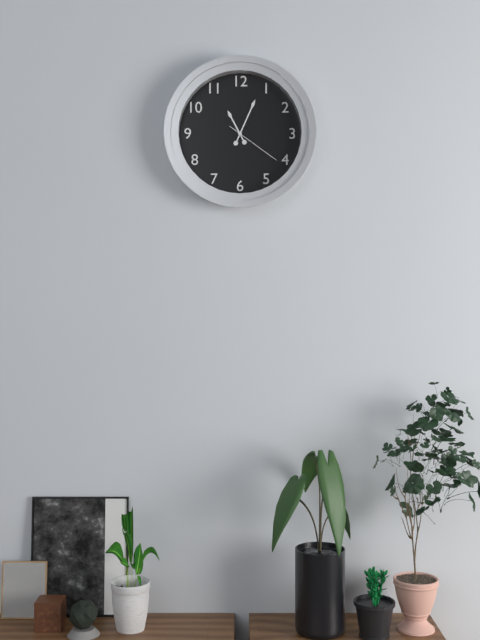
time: 11:04:21
